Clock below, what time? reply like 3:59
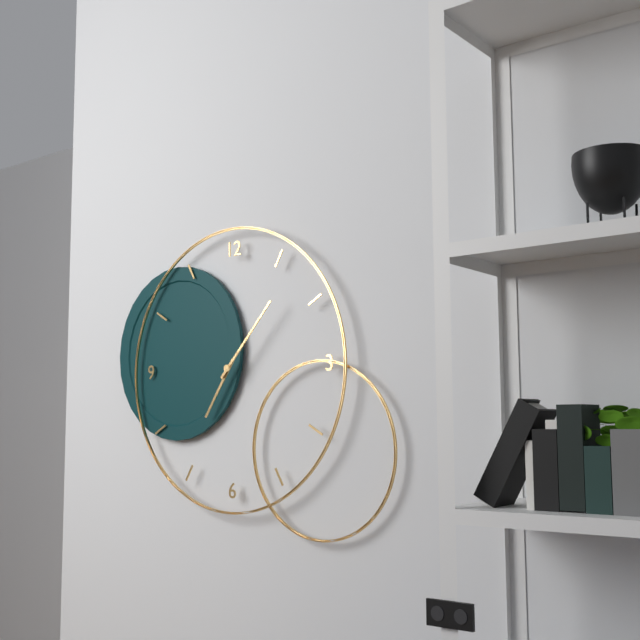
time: 7:07
